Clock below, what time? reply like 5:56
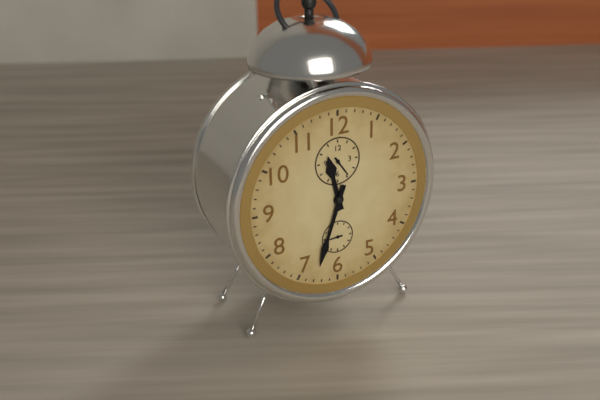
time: 11:33
